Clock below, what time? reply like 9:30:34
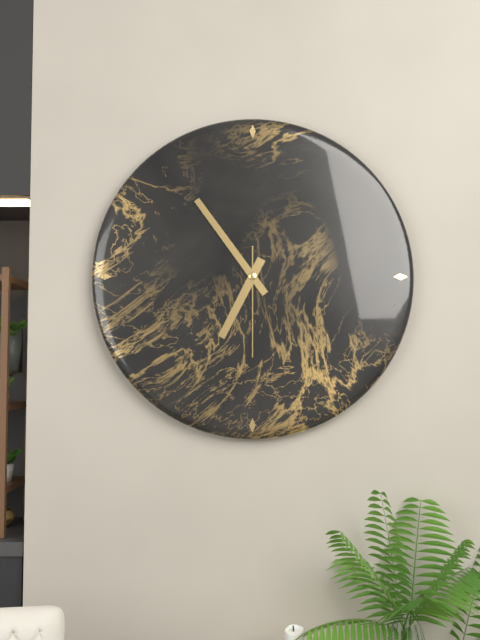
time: 6:54:30
